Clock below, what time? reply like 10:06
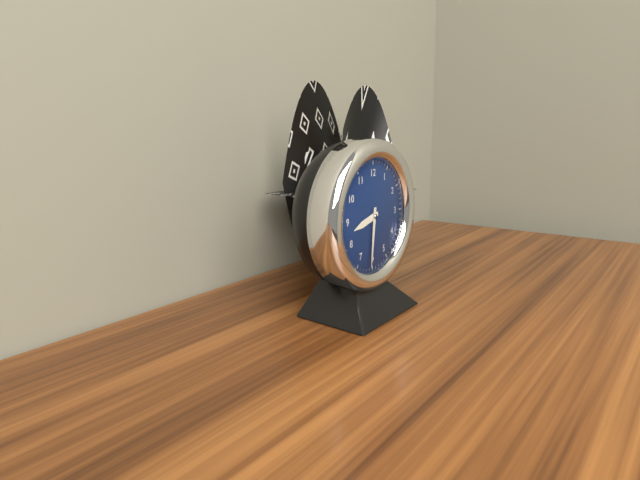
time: 8:31
